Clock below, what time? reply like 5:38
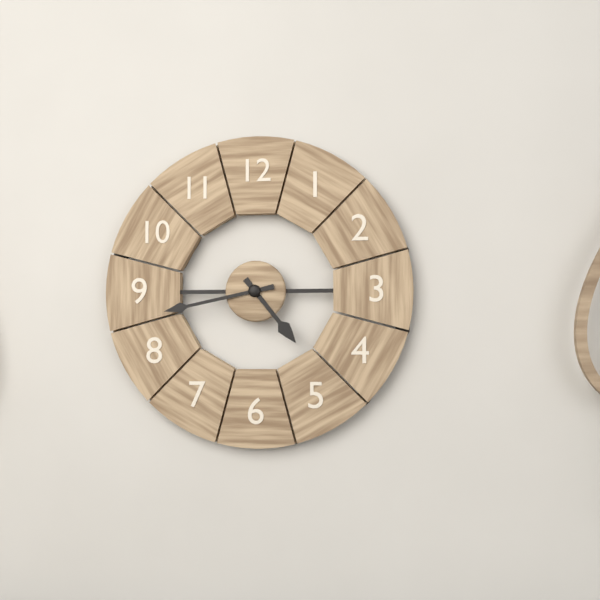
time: 4:43
